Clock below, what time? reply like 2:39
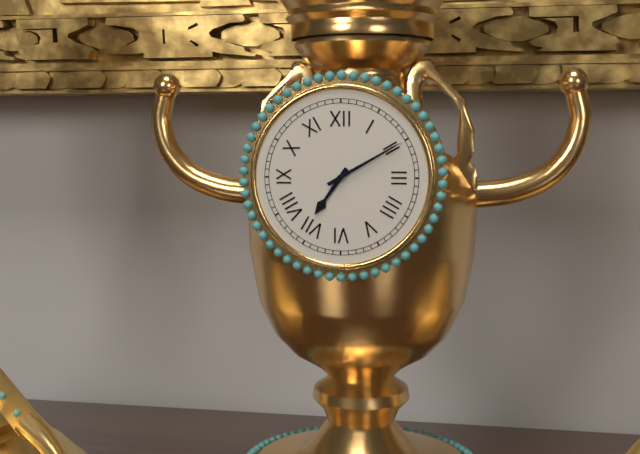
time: 7:10
